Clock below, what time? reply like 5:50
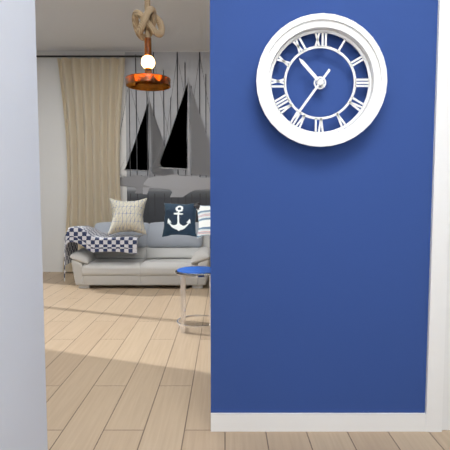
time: 10:36
